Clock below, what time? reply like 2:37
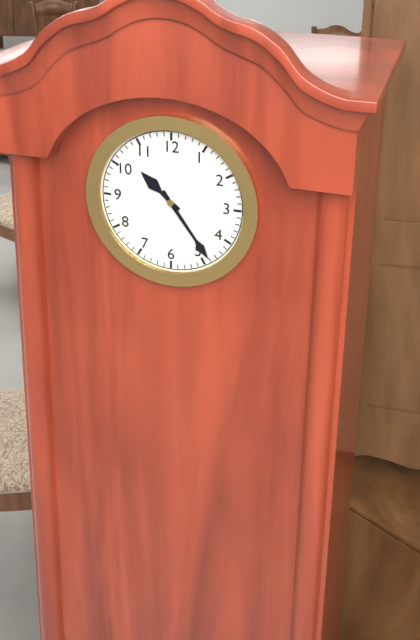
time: 10:24
